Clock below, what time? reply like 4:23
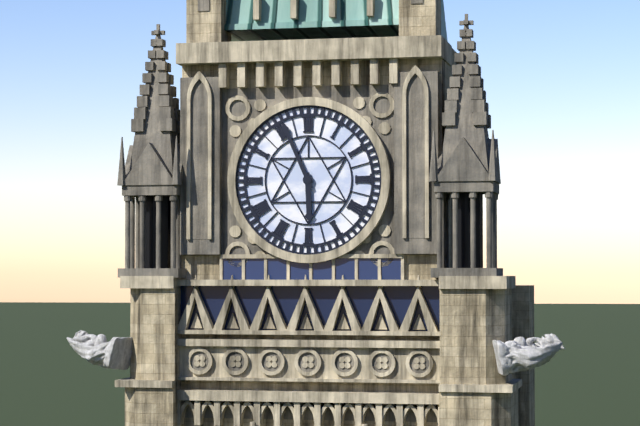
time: 5:56
